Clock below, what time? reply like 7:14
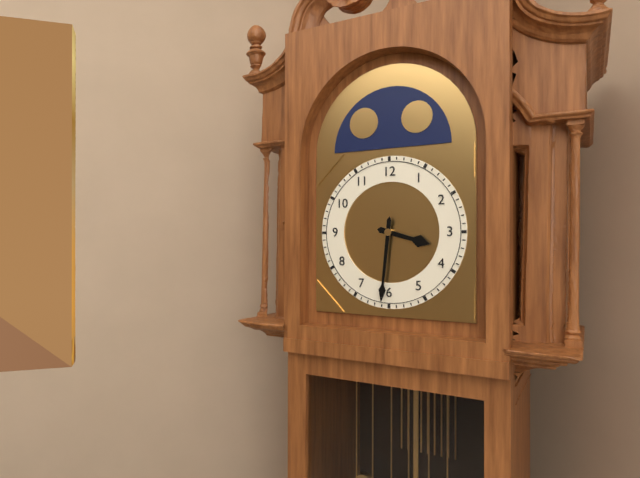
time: 3:31
